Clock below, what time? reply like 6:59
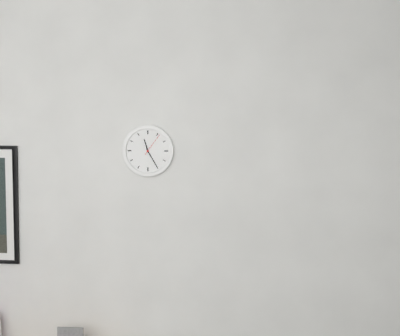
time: 11:25
